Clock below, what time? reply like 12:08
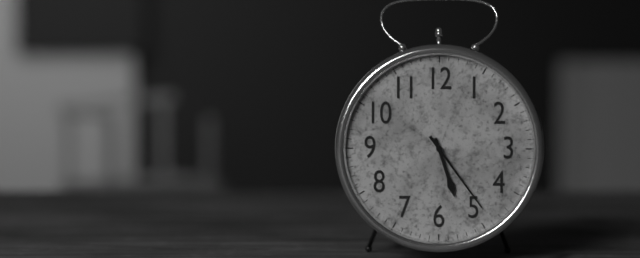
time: 5:24
